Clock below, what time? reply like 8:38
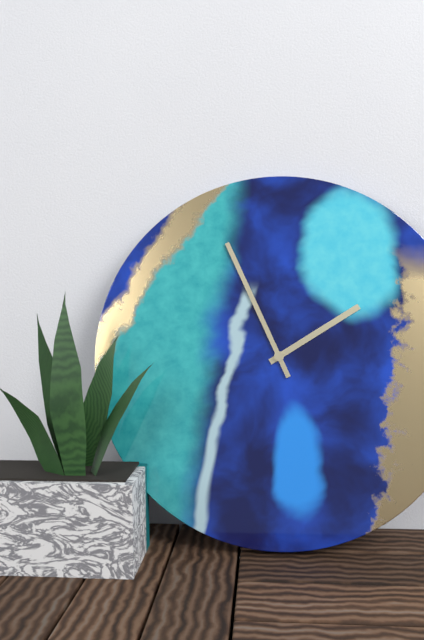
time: 1:56
